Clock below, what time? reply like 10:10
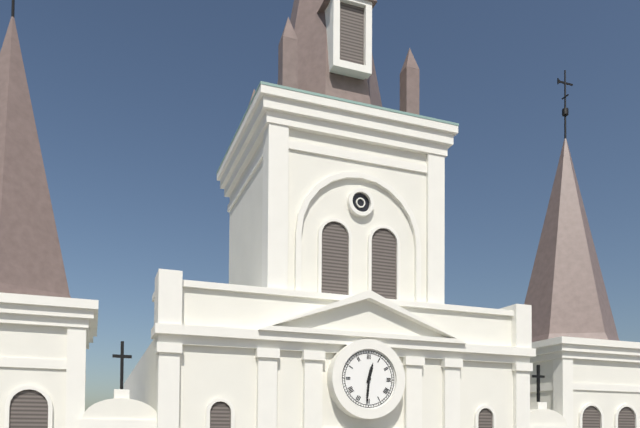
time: 12:31
